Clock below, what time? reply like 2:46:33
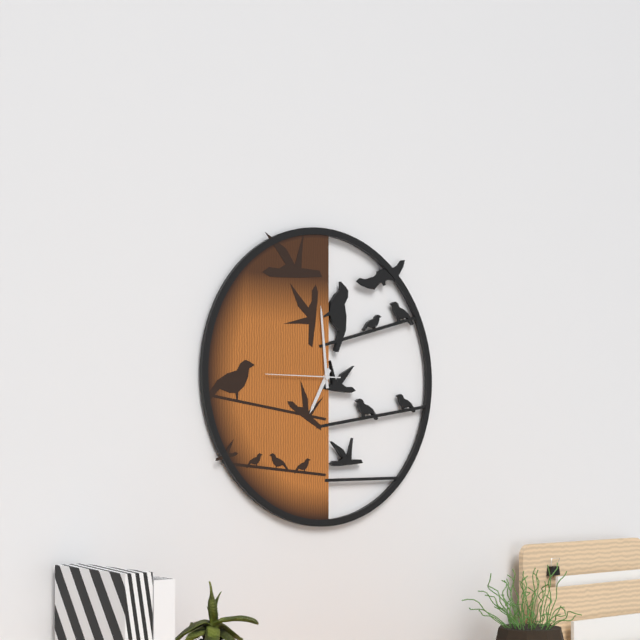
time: 6:59:45
